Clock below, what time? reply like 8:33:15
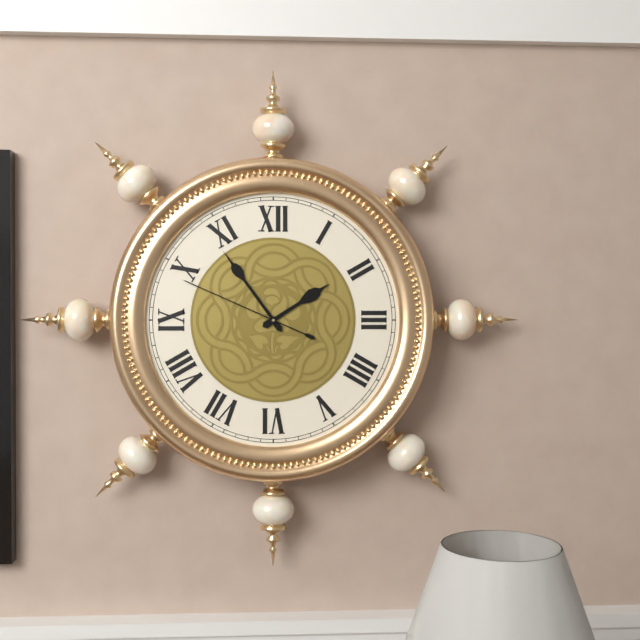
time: 1:54:49
